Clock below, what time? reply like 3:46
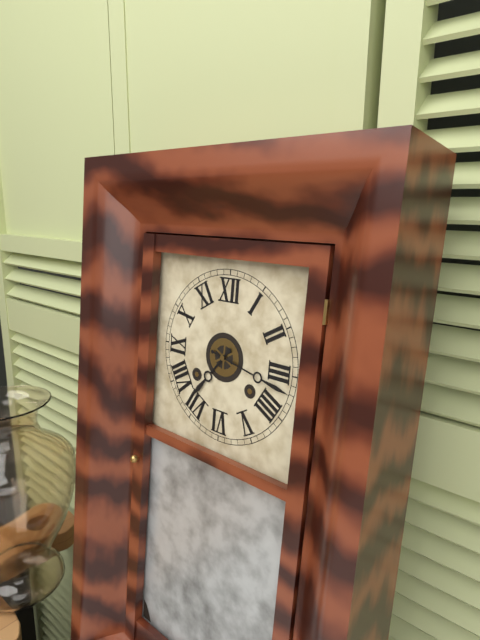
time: 7:17
